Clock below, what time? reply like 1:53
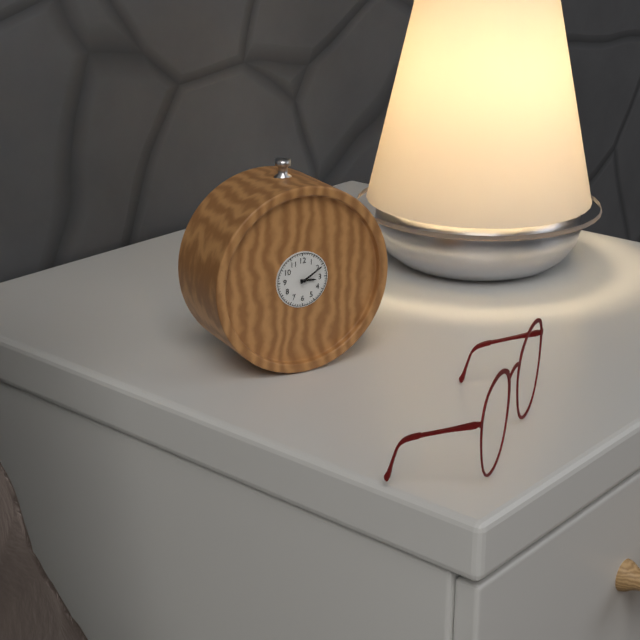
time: 3:10
